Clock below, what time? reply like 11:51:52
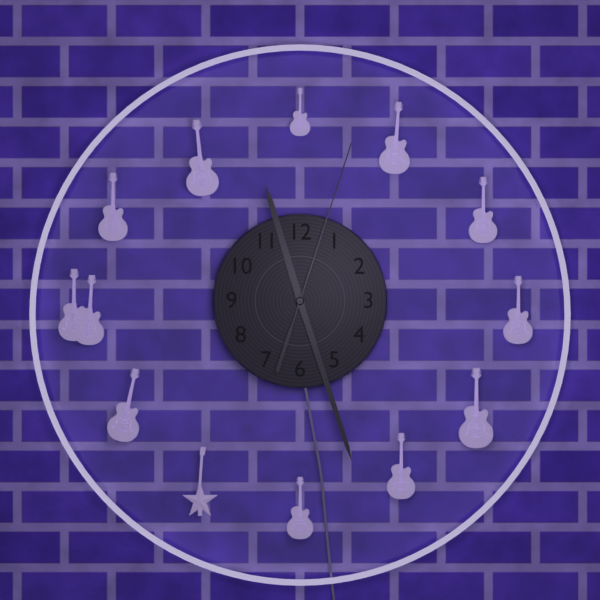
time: 11:27:03
